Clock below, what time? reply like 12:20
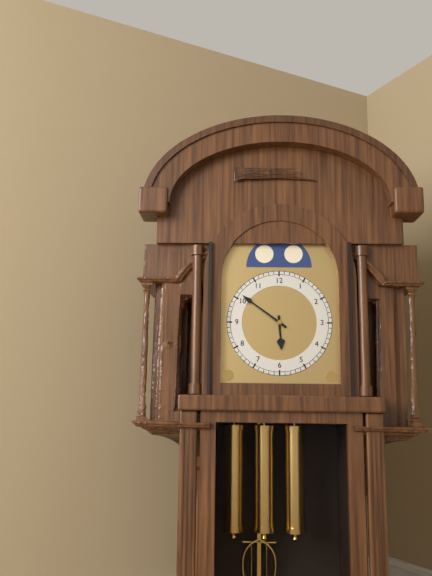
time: 5:51
